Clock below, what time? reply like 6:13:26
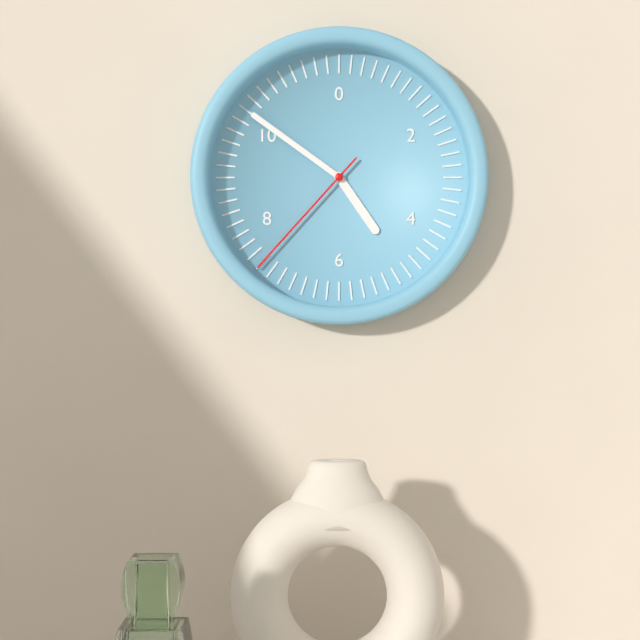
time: 4:51:37
